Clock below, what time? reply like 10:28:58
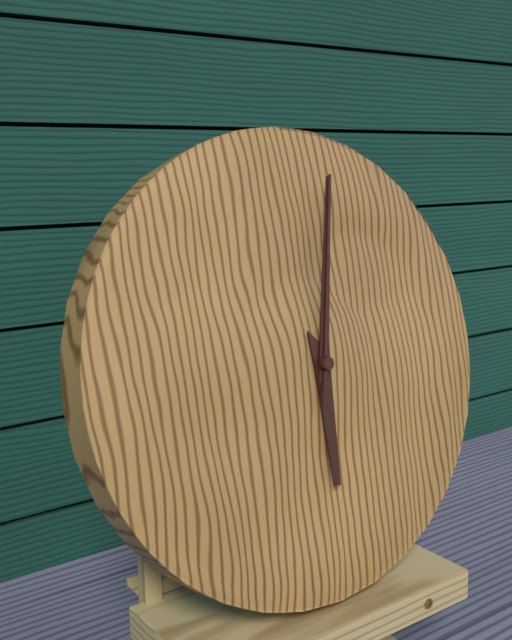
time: 6:02:02
